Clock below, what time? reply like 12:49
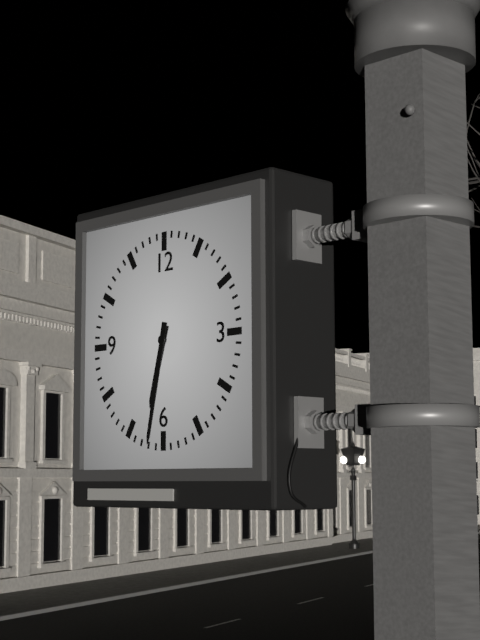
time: 6:32
